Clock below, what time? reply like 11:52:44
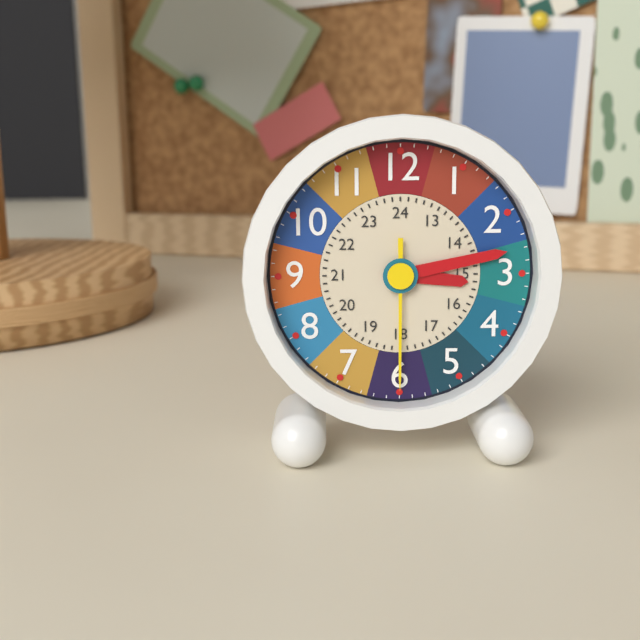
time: 3:13:30
